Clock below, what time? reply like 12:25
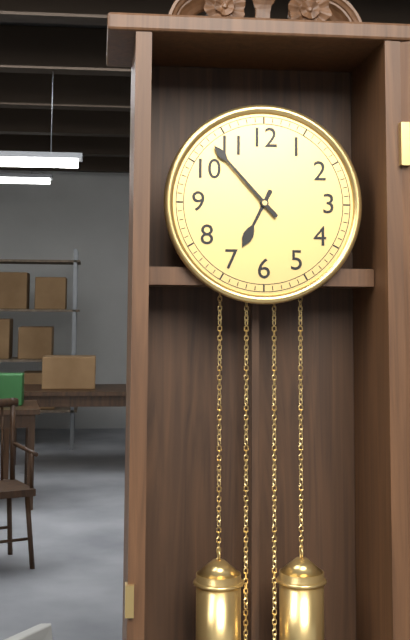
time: 6:53
